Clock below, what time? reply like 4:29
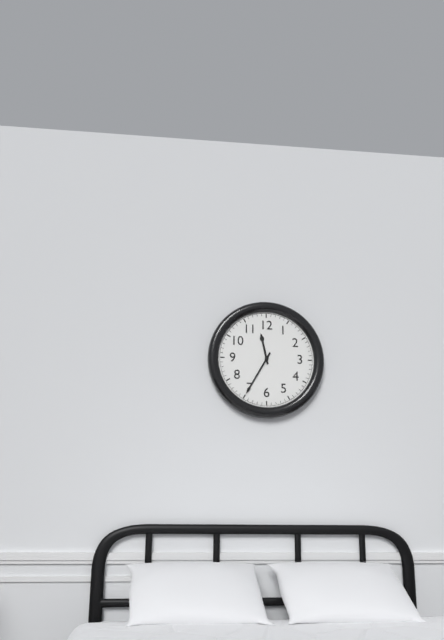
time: 11:35
